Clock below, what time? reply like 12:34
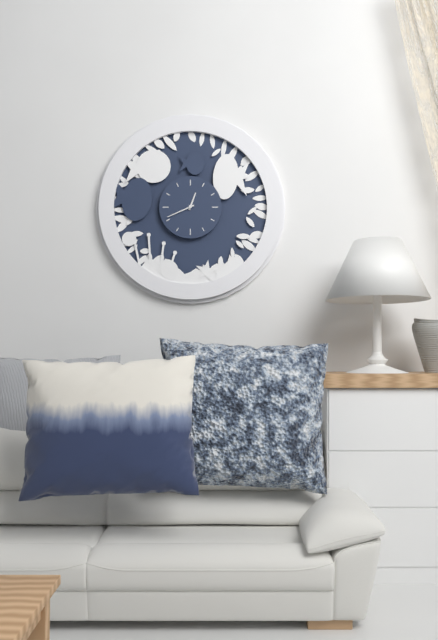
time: 12:41
